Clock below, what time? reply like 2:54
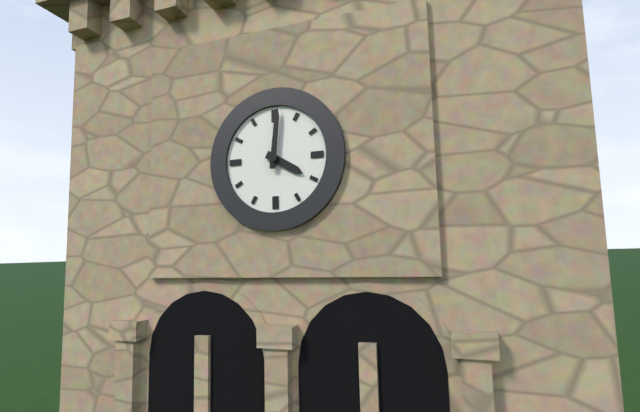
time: 4:01
